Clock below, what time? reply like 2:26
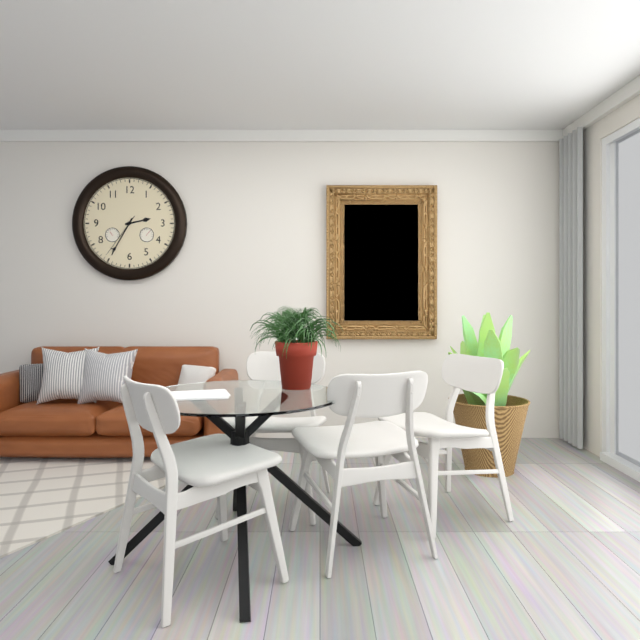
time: 2:35
